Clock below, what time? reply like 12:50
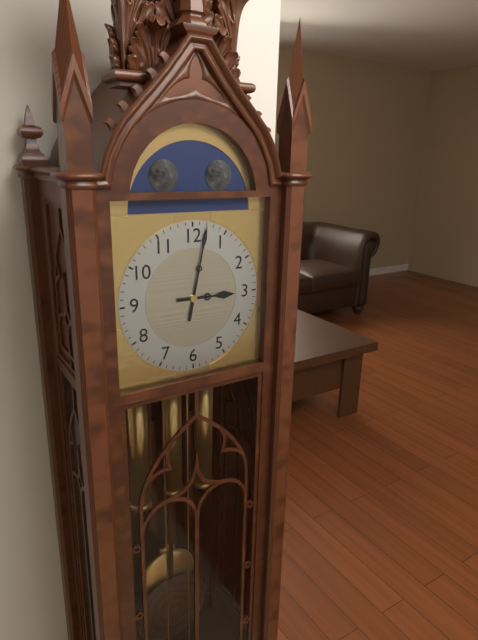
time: 3:02
